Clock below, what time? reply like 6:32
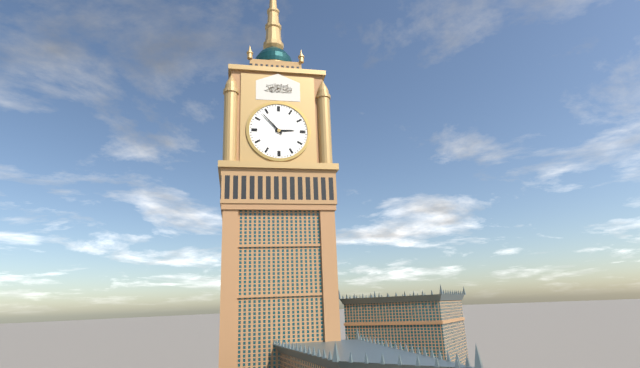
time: 2:53
